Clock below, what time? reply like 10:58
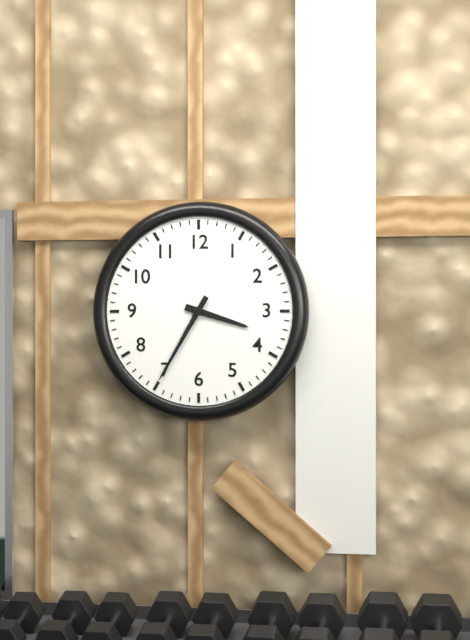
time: 3:35
